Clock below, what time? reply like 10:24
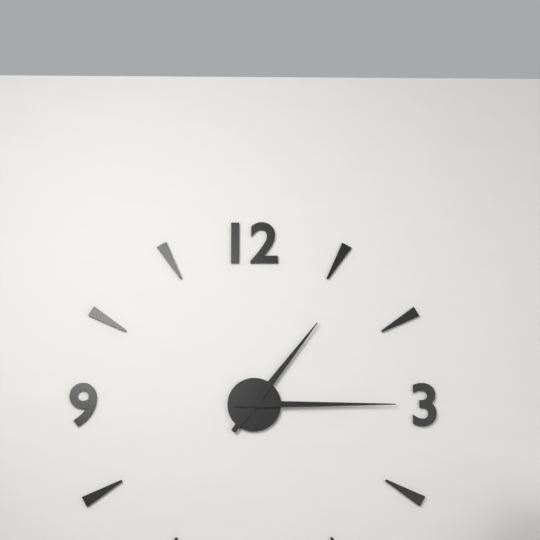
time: 1:15
